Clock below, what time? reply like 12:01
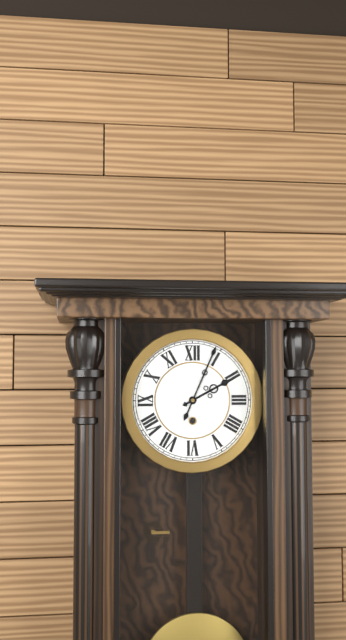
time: 2:04
